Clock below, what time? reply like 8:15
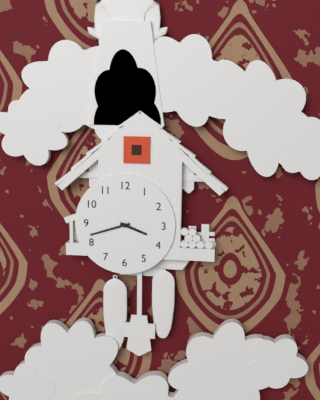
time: 3:42
